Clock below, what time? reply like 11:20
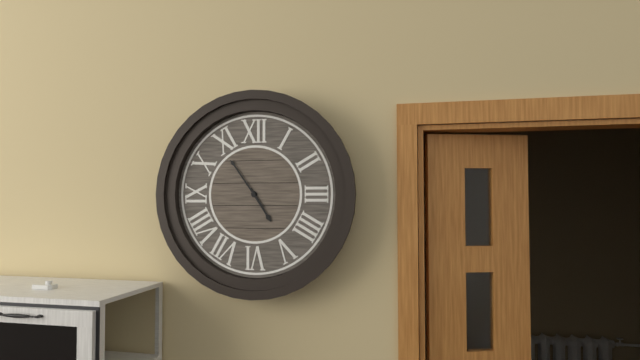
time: 4:54
